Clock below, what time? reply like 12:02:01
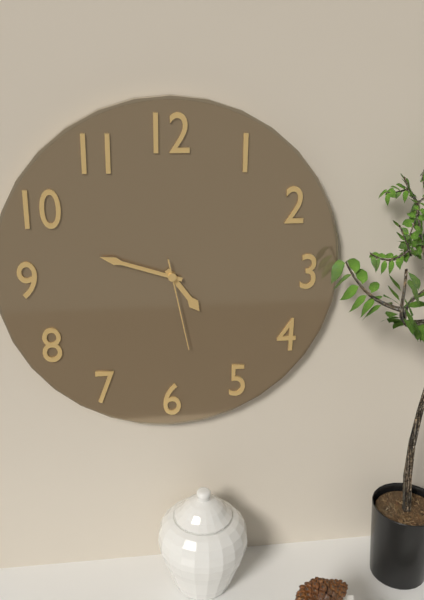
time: 4:48:28
